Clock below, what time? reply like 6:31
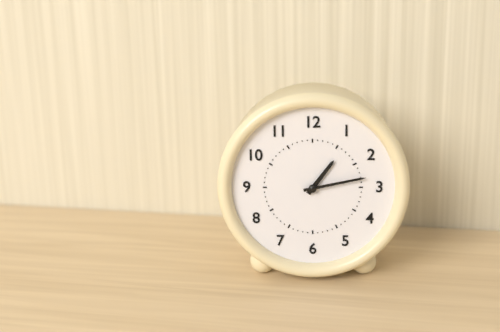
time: 1:13
